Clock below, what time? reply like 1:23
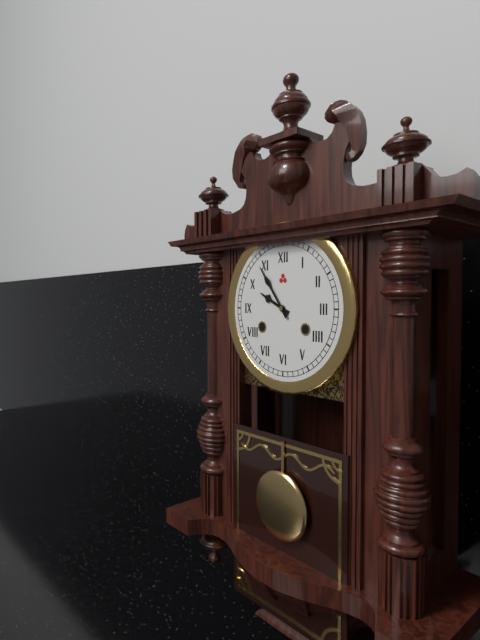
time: 9:54
